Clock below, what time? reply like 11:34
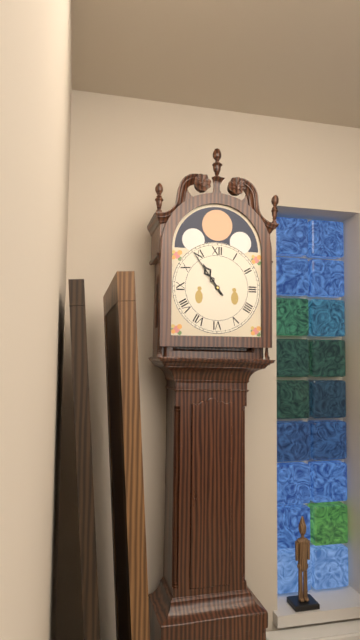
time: 10:54
